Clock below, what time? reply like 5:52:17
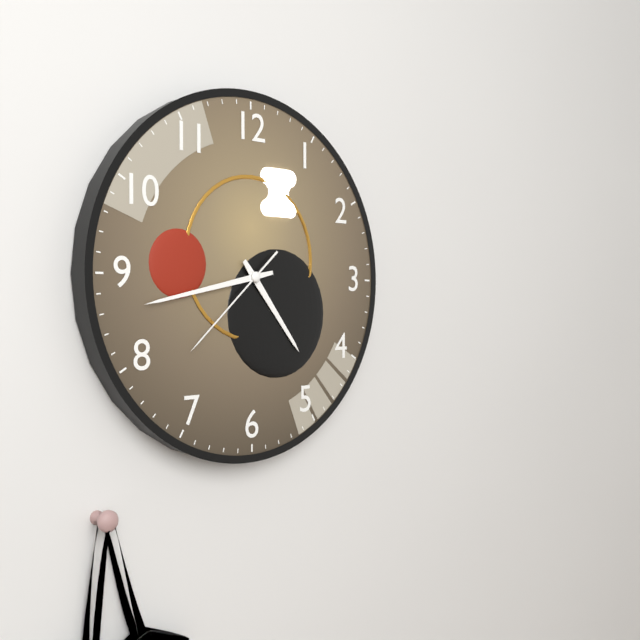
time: 4:43:38
